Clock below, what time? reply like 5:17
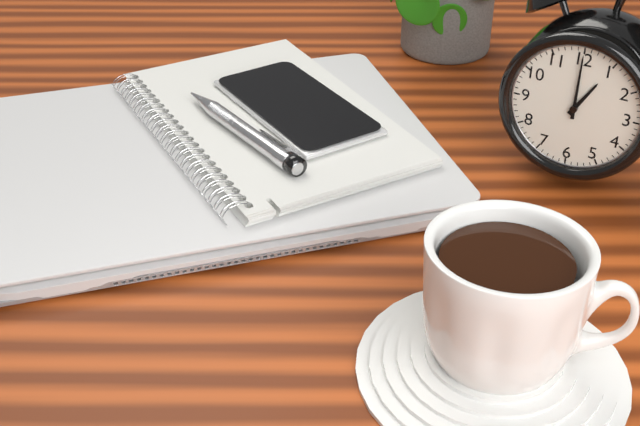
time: 1:00
